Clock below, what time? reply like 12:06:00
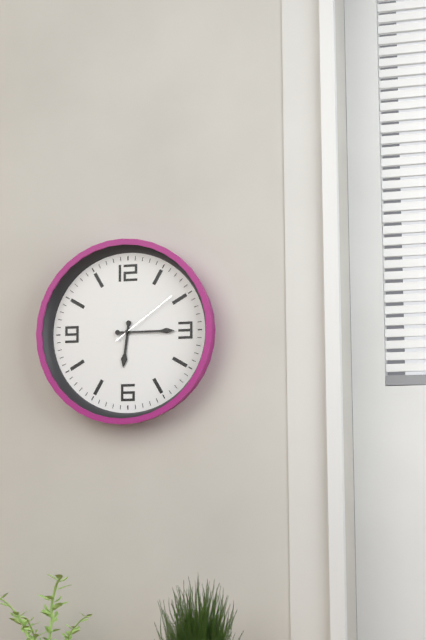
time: 6:15:09
